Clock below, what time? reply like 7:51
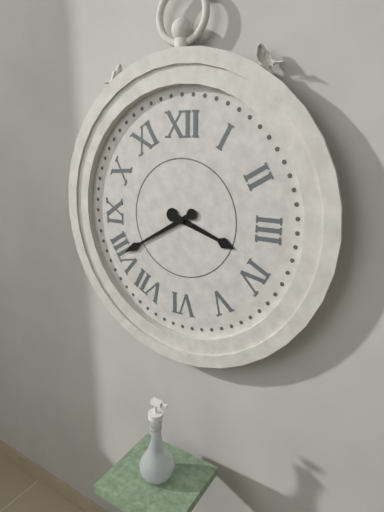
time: 3:40
